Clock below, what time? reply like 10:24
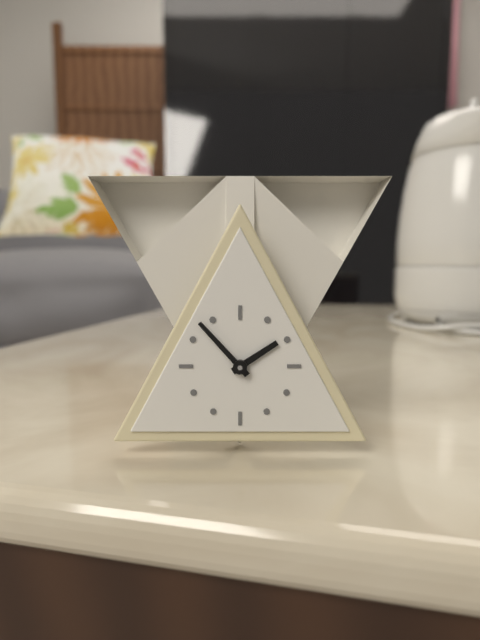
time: 1:53
